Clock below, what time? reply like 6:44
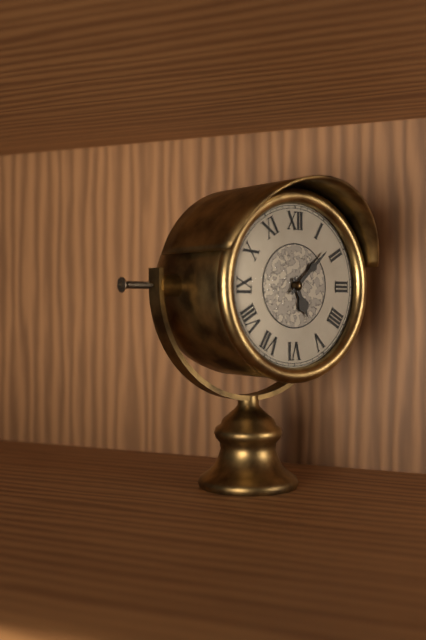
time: 5:08
